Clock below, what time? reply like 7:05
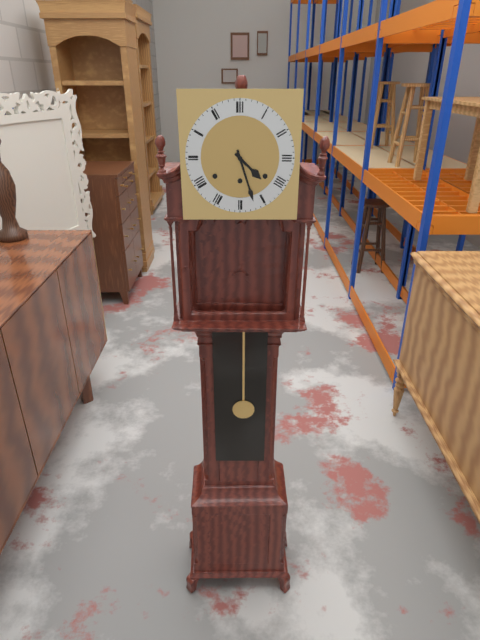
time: 4:27
